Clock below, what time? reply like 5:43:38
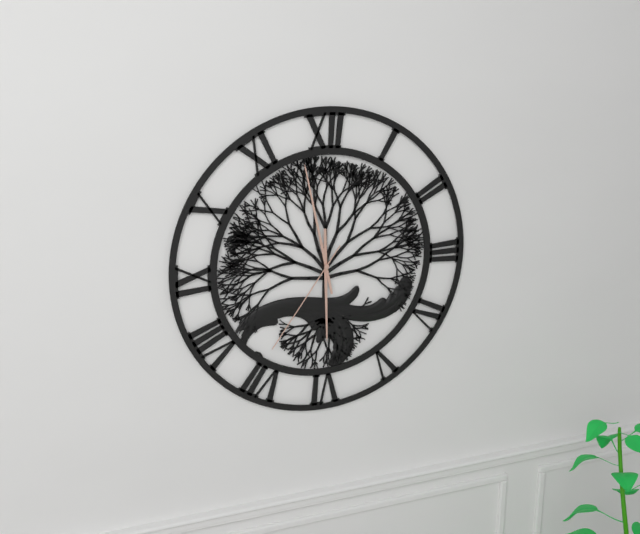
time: 5:58:36
